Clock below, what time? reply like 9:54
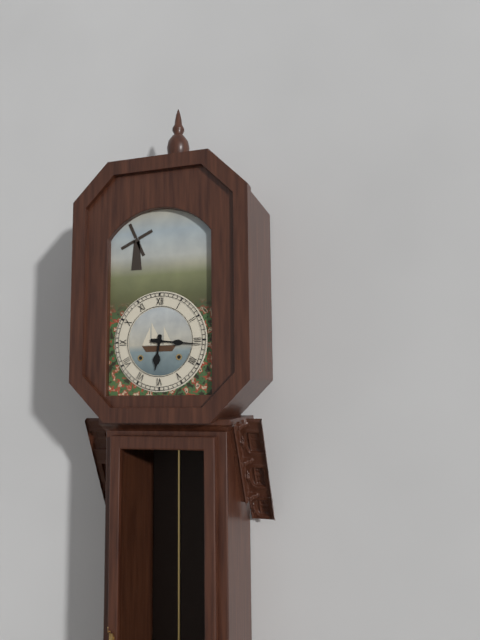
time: 6:16
